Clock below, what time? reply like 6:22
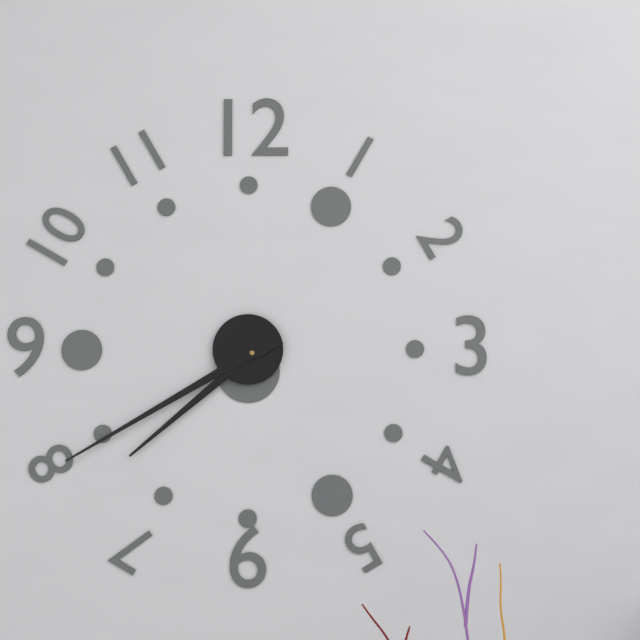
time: 7:40
